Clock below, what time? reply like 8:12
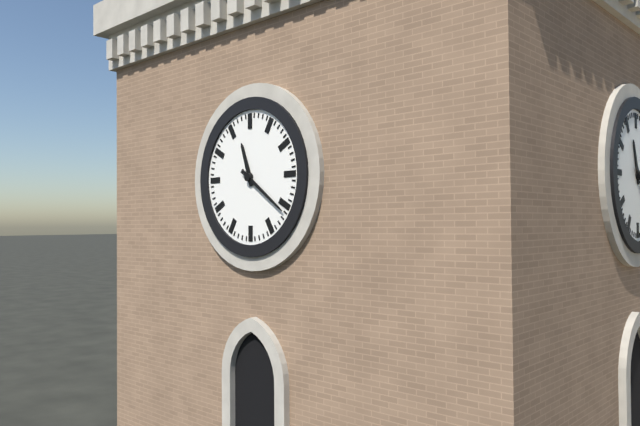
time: 11:21
